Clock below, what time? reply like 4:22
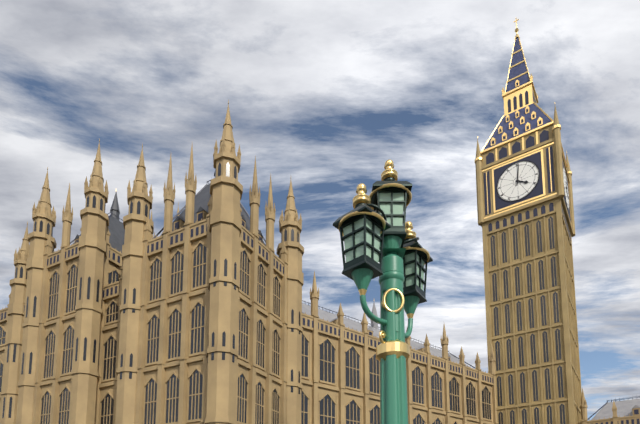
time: 4:01
